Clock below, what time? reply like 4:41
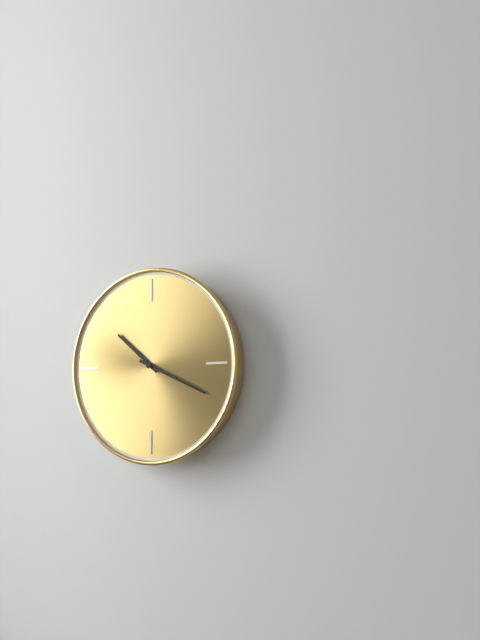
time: 10:19
